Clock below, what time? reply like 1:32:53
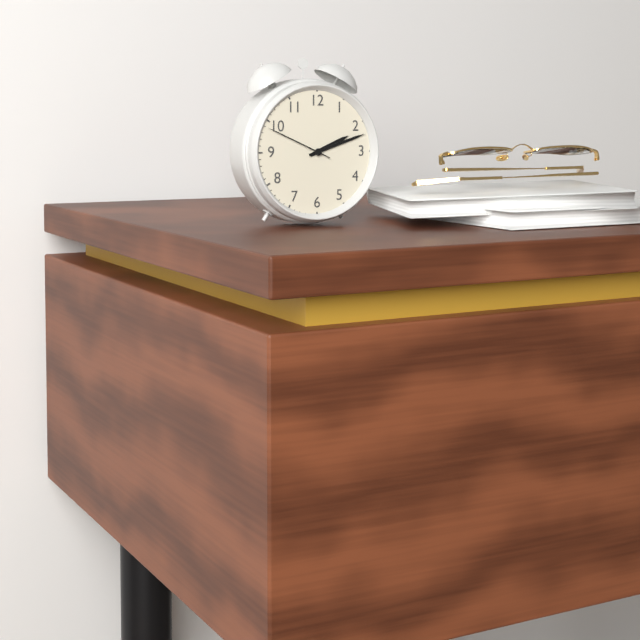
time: 2:12:49
